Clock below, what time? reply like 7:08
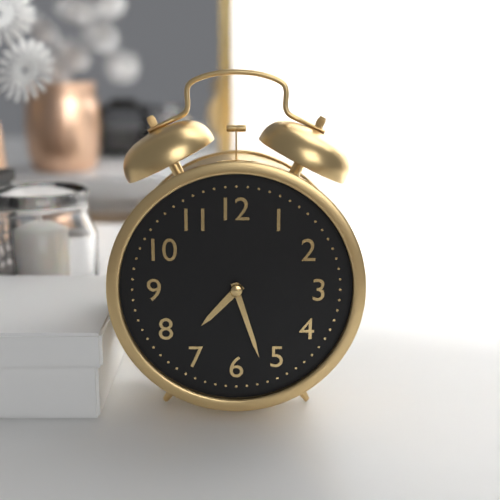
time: 7:27
